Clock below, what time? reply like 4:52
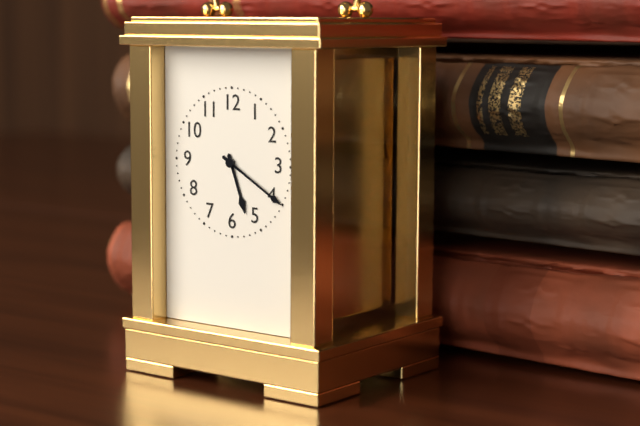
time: 5:20
